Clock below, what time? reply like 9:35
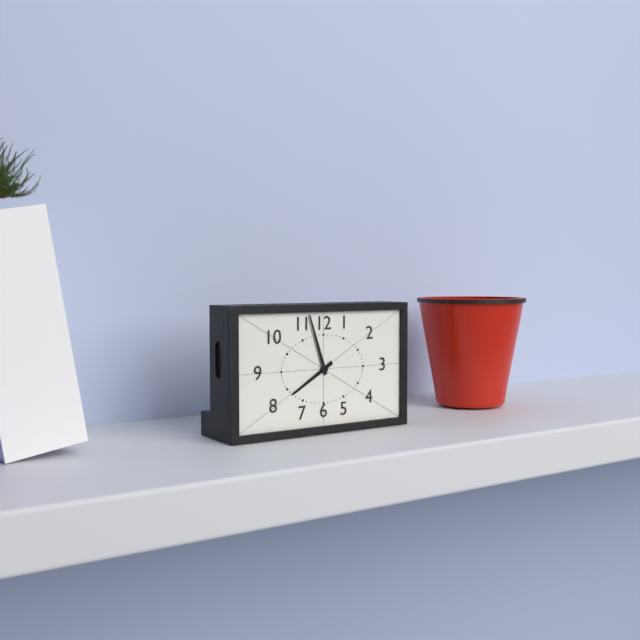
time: 7:57
